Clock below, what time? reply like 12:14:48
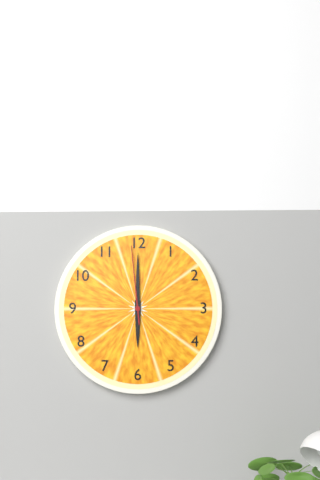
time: 6:00:59
